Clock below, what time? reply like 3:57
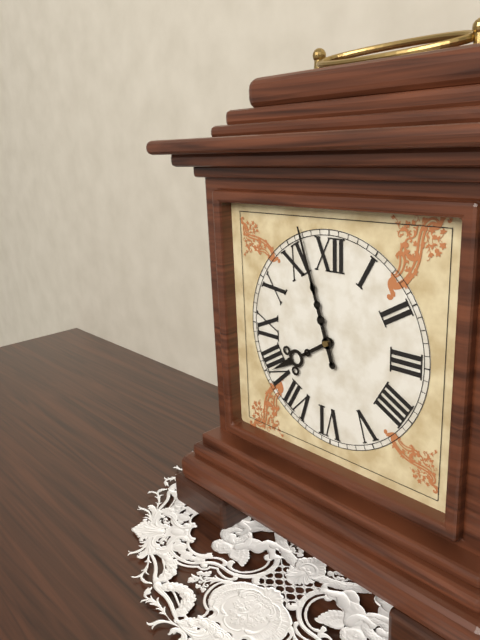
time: 7:57
